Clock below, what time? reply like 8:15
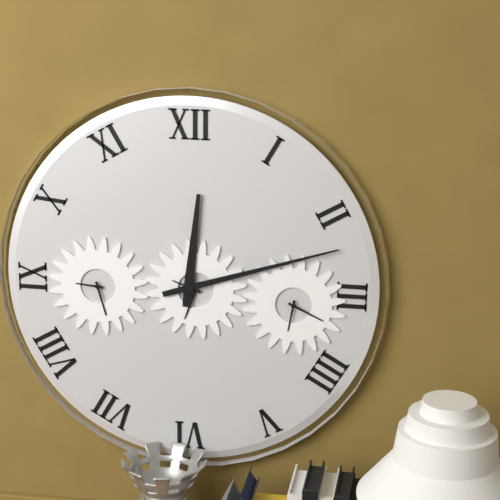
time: 12:12
